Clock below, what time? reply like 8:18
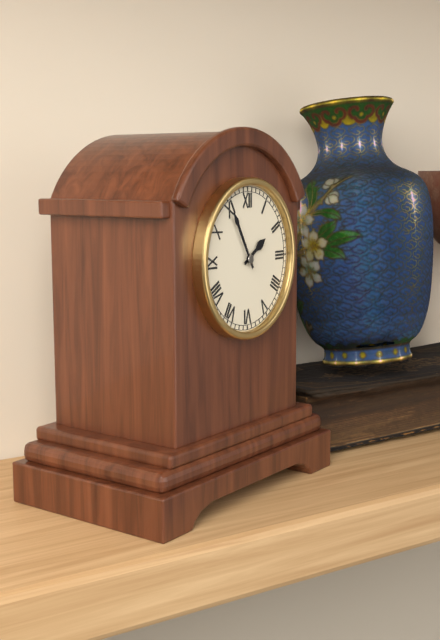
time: 1:55
